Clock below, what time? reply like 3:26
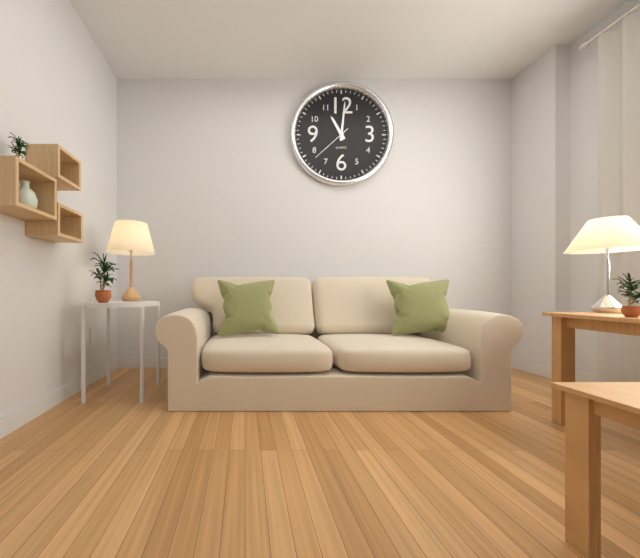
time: 11:01
